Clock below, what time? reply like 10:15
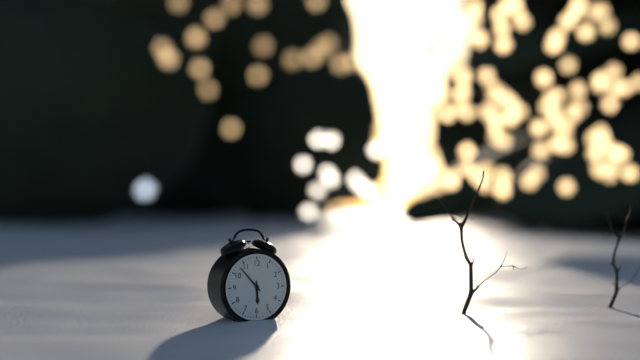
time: 5:53
